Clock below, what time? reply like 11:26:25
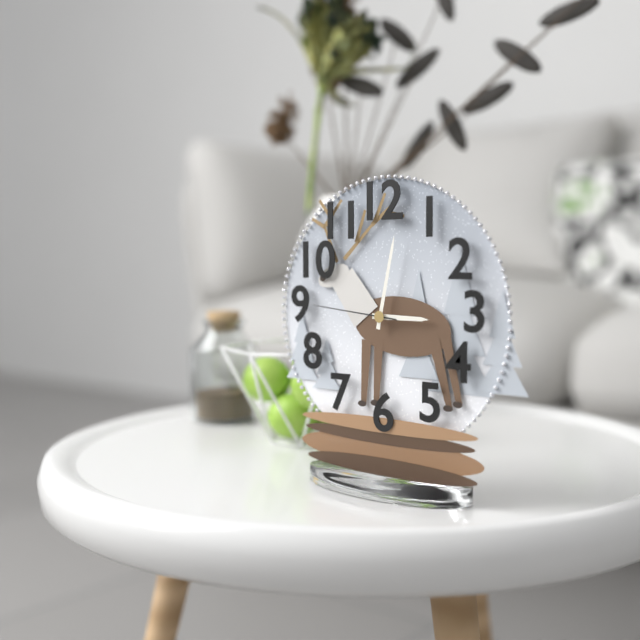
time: 3:02:46
